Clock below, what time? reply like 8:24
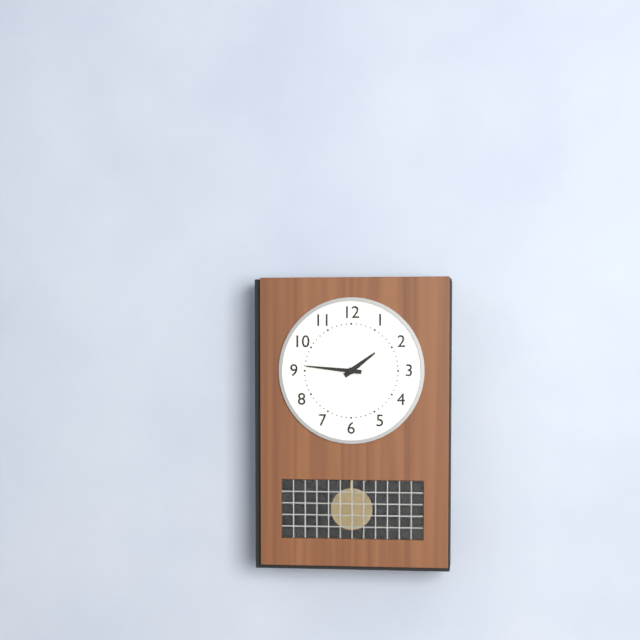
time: 1:46
